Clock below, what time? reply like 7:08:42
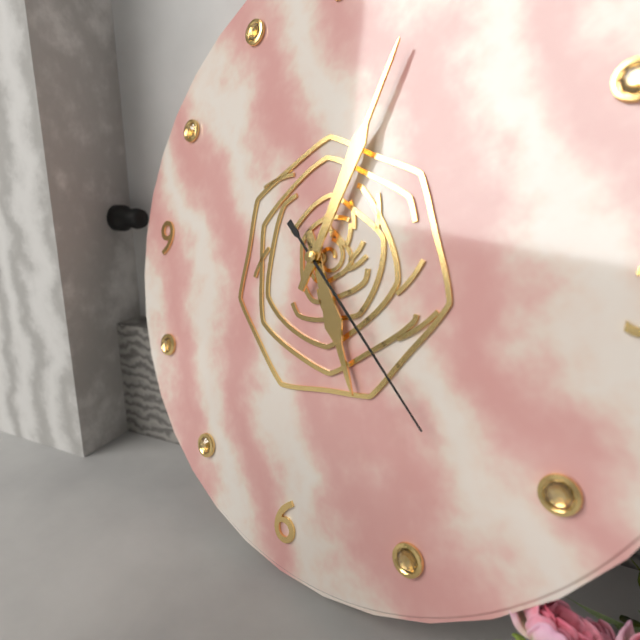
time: 5:03:22
